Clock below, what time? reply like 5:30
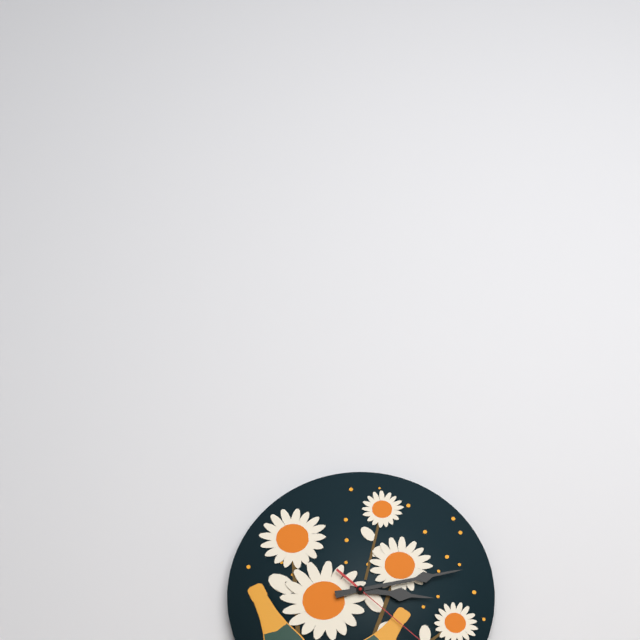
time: 3:13
